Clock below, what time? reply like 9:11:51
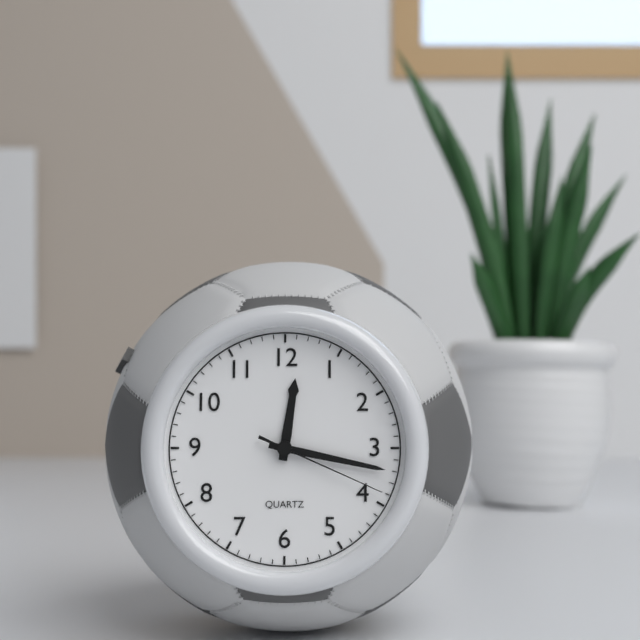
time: 12:17:19
